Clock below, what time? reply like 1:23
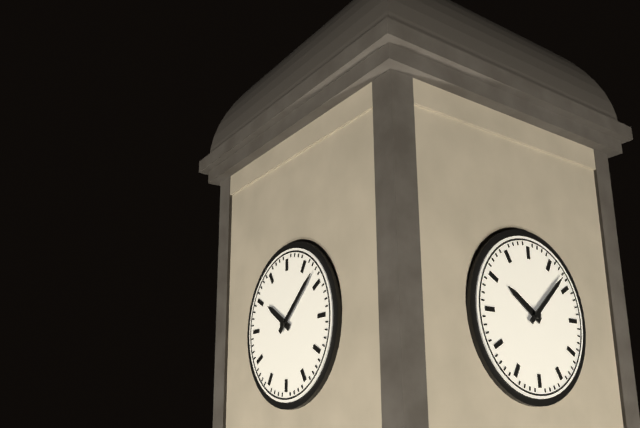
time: 10:08
